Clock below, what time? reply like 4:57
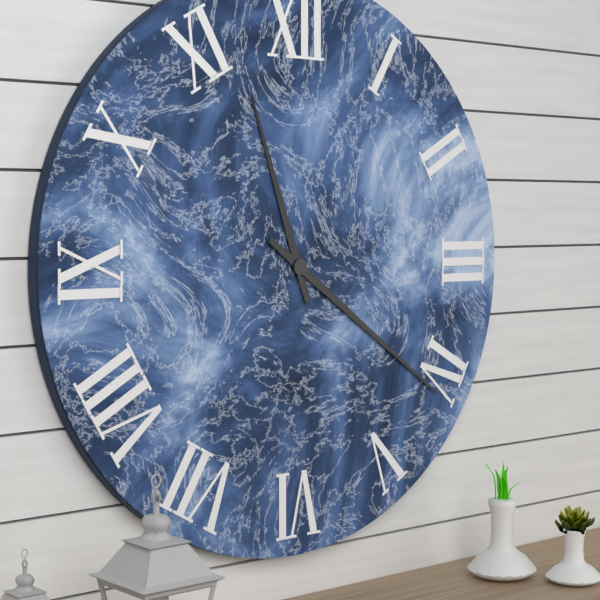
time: 11:21
